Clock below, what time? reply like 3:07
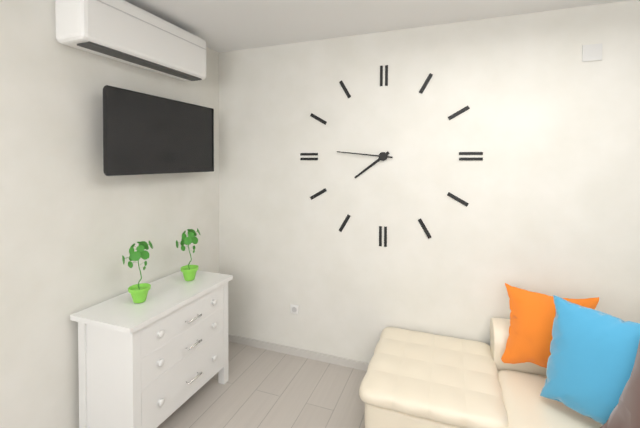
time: 7:46
